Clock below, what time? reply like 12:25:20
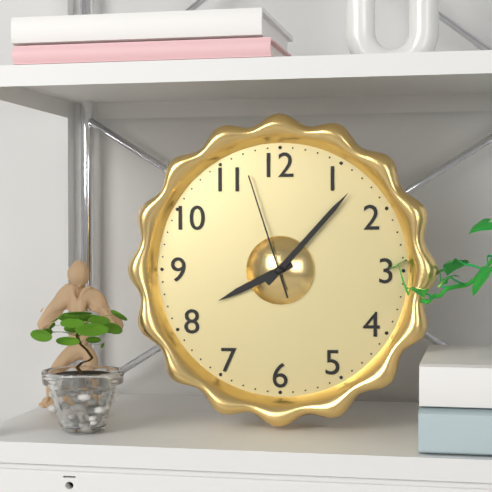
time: 8:07:57
